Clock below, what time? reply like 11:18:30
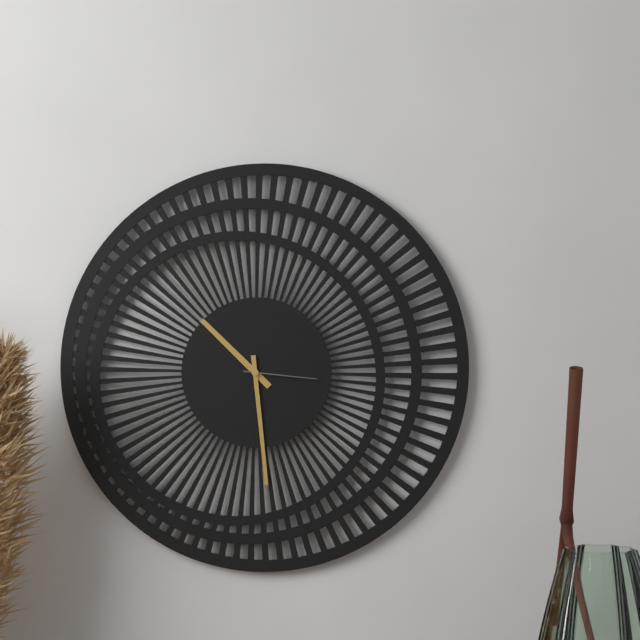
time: 10:29:16
